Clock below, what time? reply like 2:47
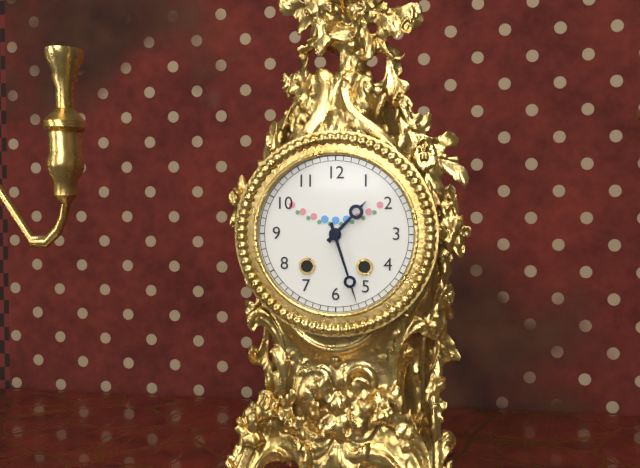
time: 1:27
